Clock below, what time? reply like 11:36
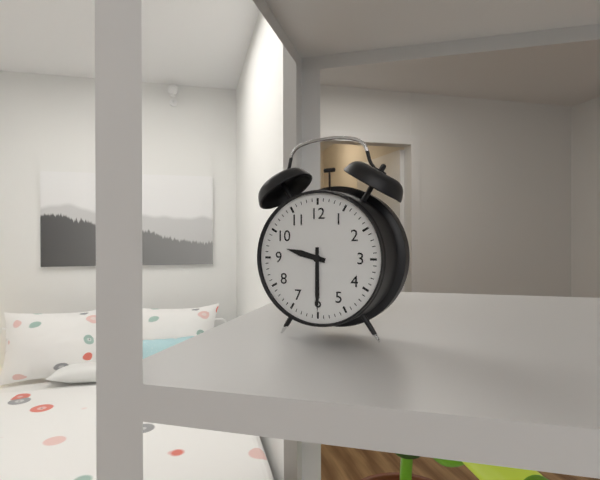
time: 9:30
